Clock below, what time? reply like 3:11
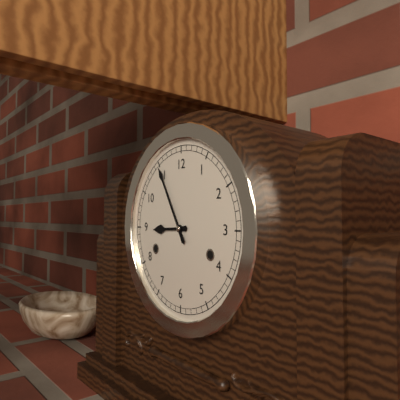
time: 8:55
